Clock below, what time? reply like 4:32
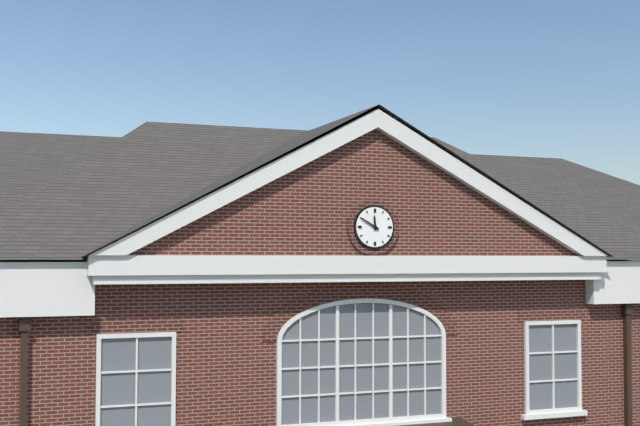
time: 11:50
